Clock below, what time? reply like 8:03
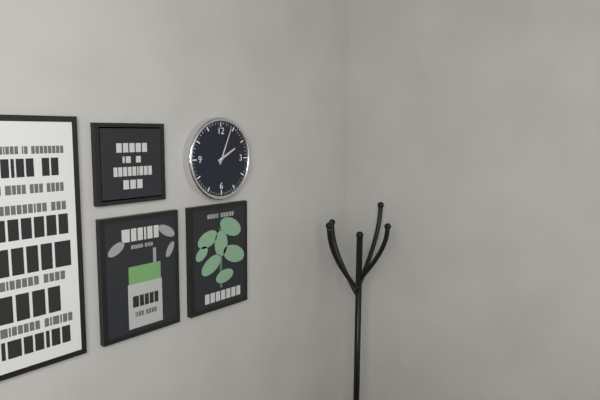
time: 2:04
